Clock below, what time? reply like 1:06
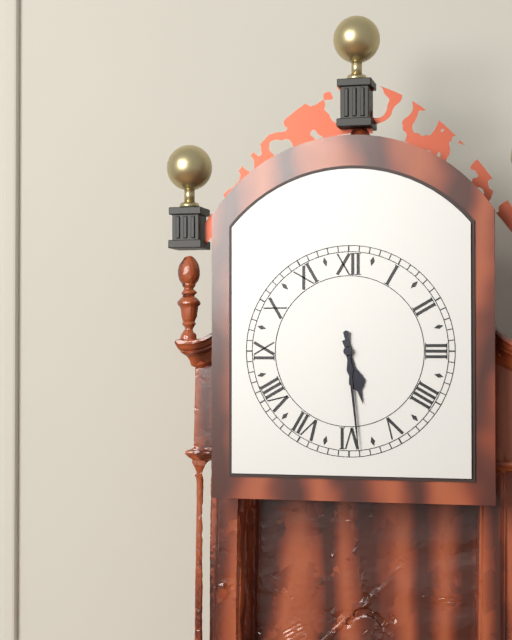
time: 5:29
